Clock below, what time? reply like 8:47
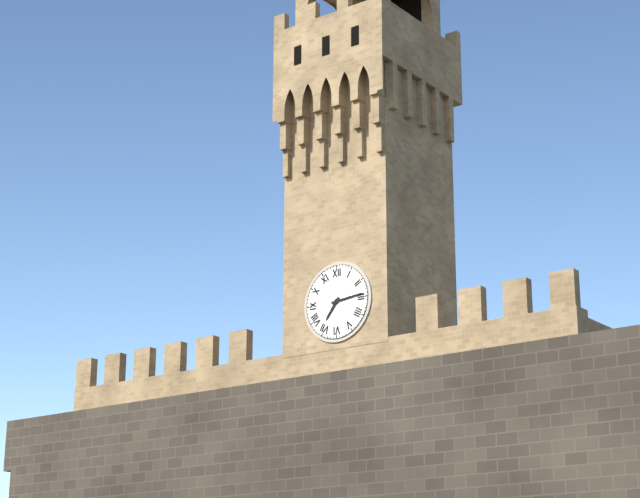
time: 7:14
